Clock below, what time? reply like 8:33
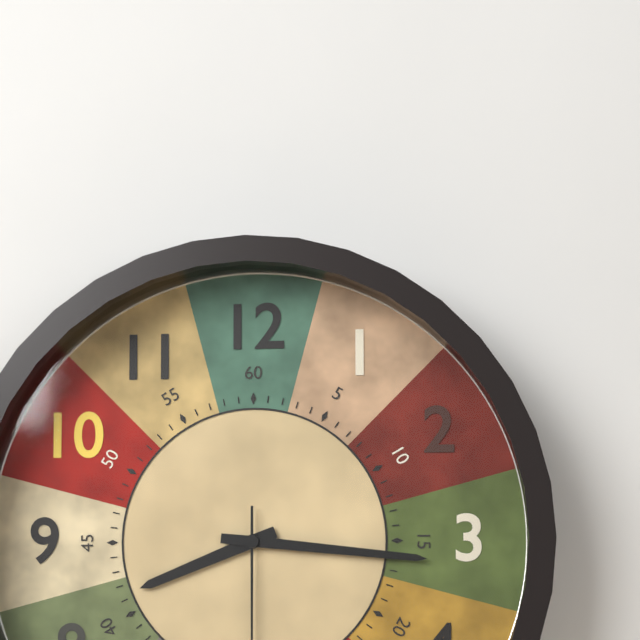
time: 8:16
